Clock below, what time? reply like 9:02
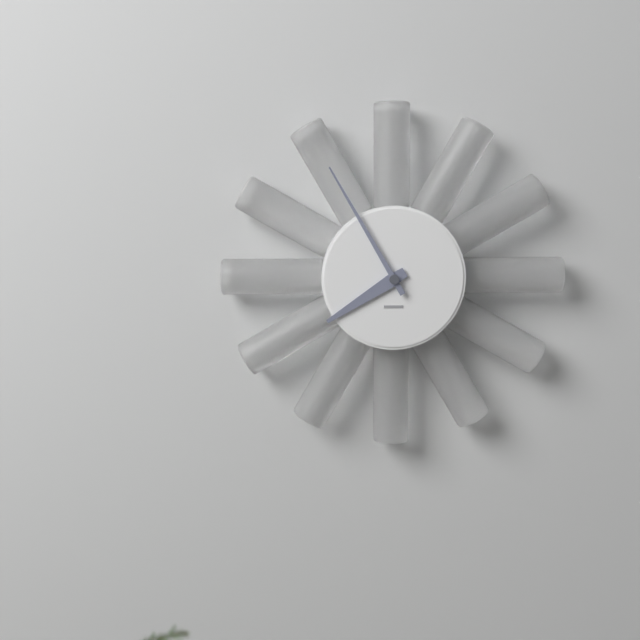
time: 7:55
